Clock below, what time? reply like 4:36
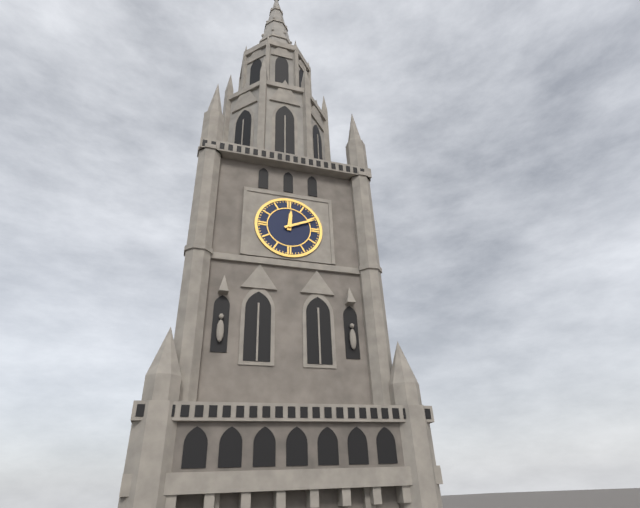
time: 12:11
